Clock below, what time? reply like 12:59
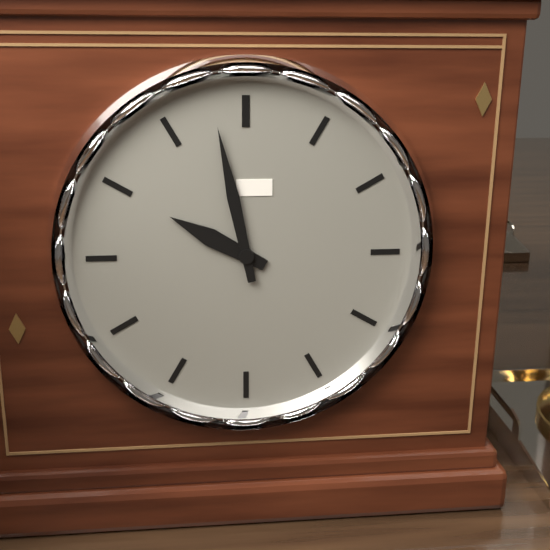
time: 9:58
